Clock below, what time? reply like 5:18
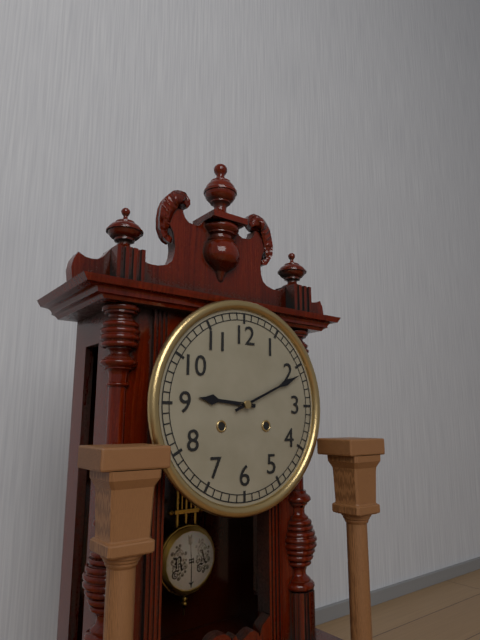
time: 9:11
